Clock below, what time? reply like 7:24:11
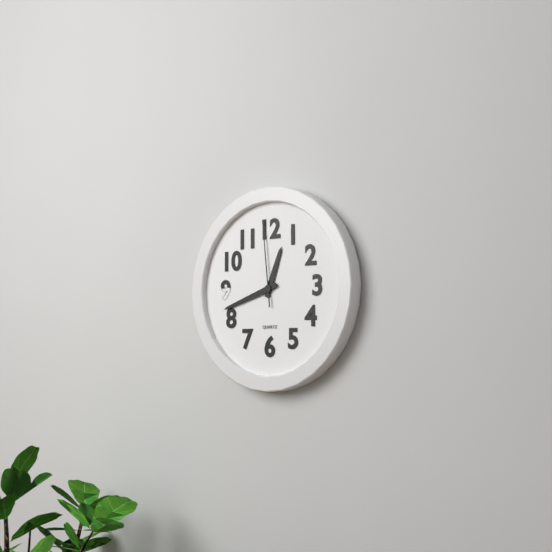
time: 12:42:59
